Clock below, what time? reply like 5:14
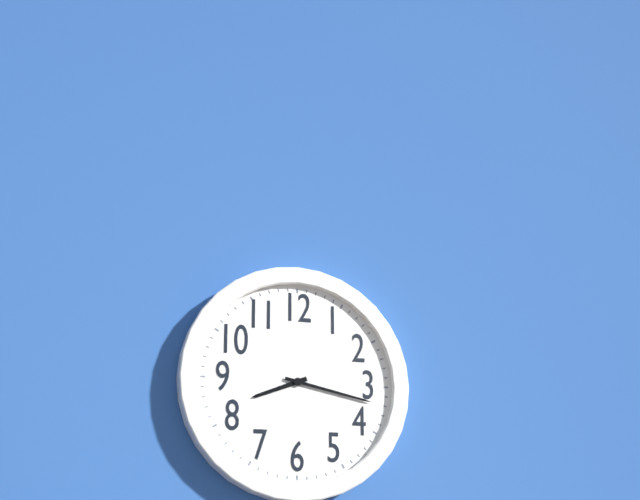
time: 8:17
